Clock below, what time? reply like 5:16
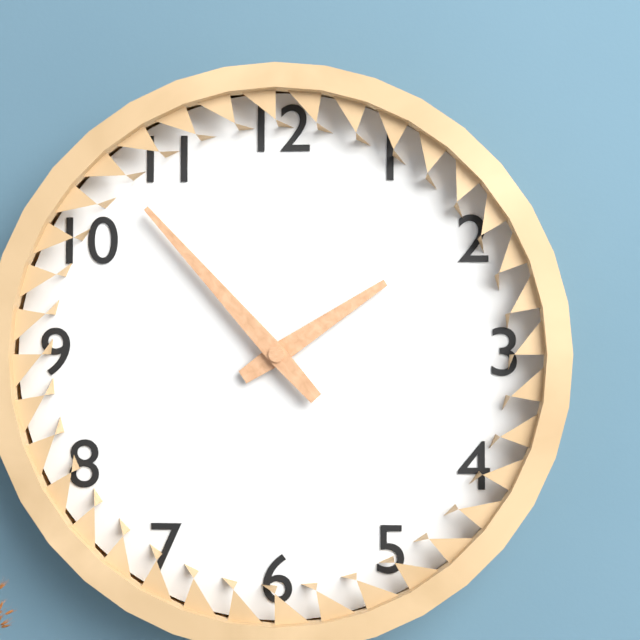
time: 1:53
